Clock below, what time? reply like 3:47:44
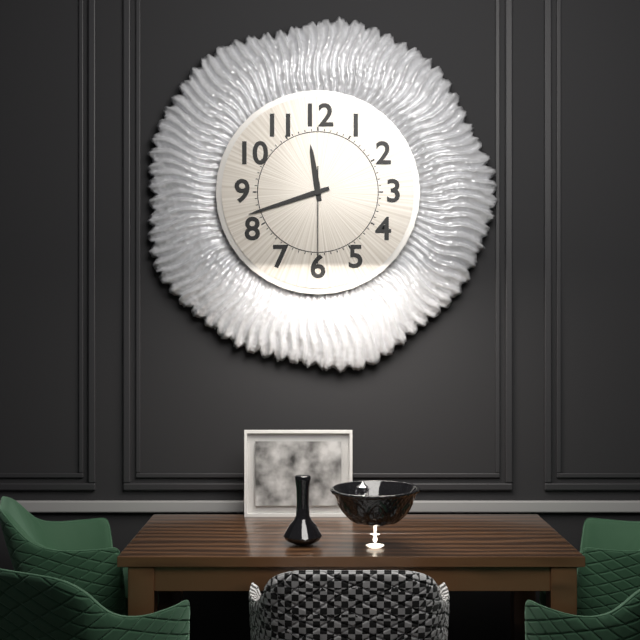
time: 11:42:30
